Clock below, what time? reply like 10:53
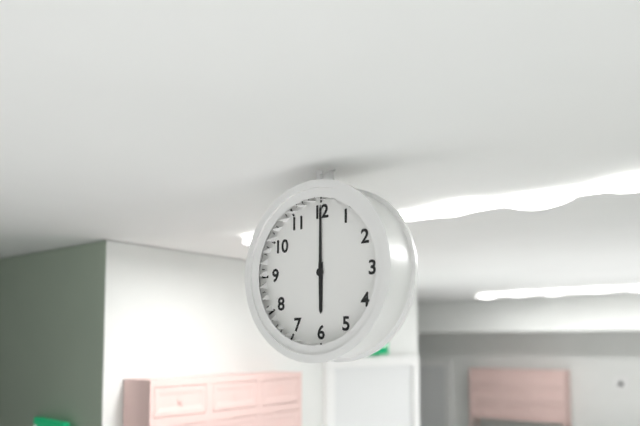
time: 6:00
